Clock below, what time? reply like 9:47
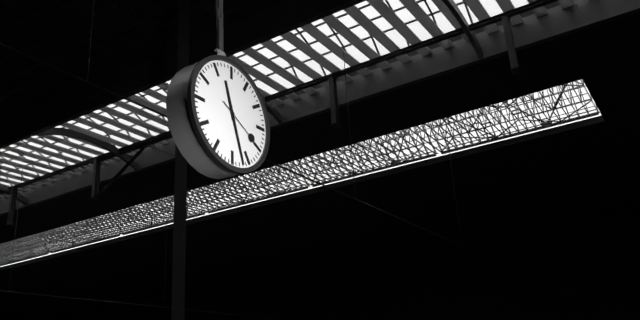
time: 11:27
